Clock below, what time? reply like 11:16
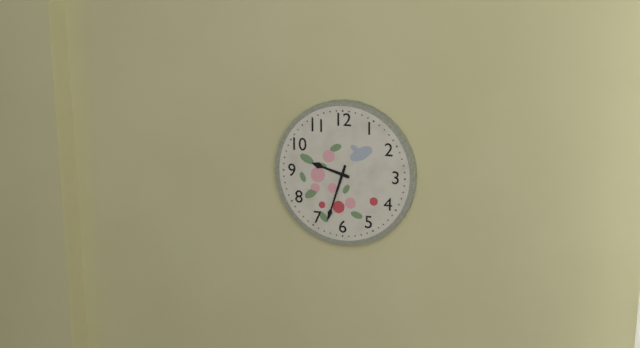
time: 9:33
